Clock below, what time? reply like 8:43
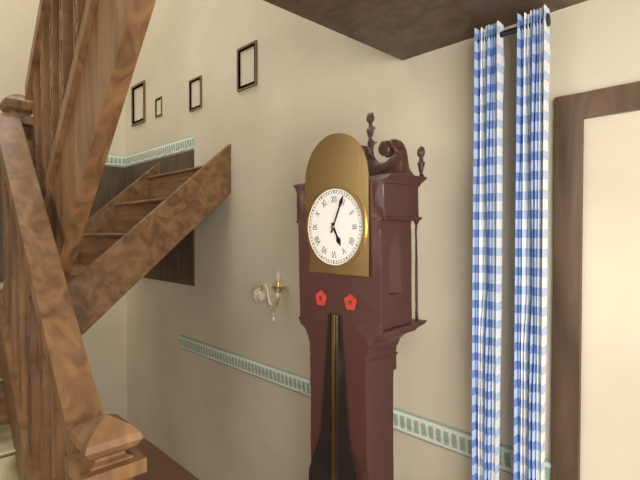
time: 5:04
